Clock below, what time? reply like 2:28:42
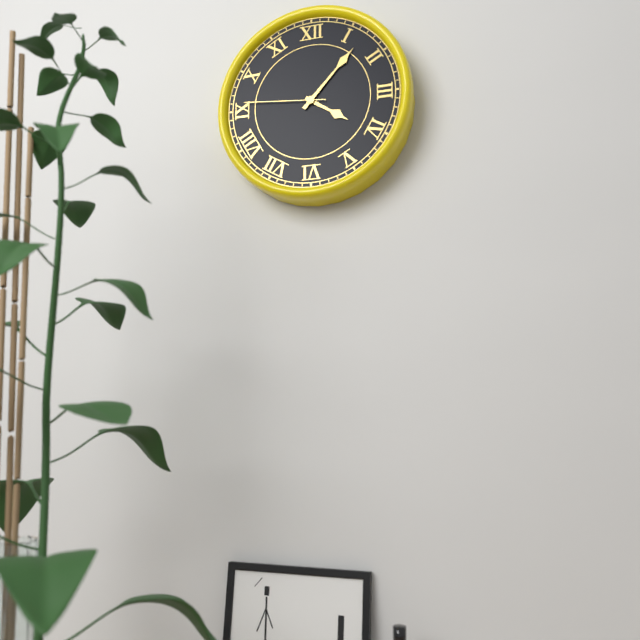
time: 4:07:46
